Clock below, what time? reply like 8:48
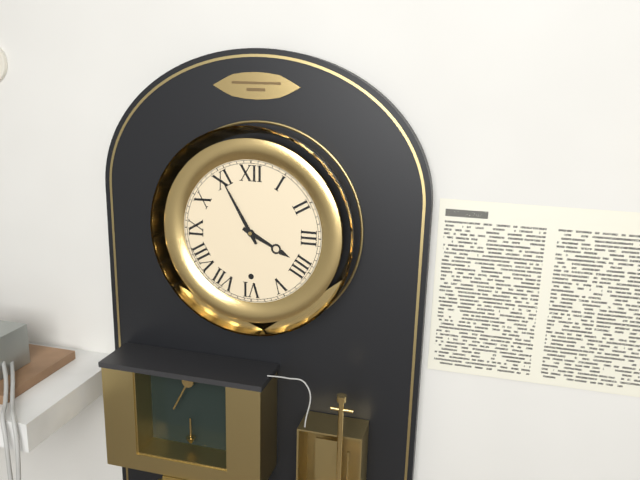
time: 3:55
